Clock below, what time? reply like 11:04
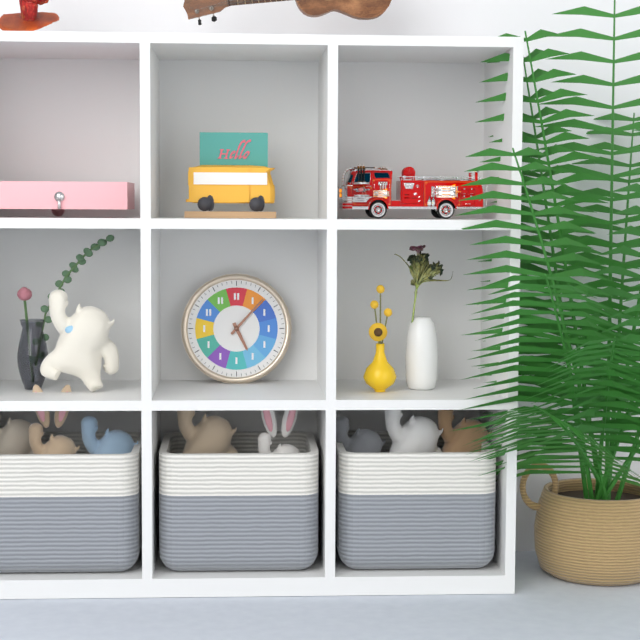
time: 5:07
